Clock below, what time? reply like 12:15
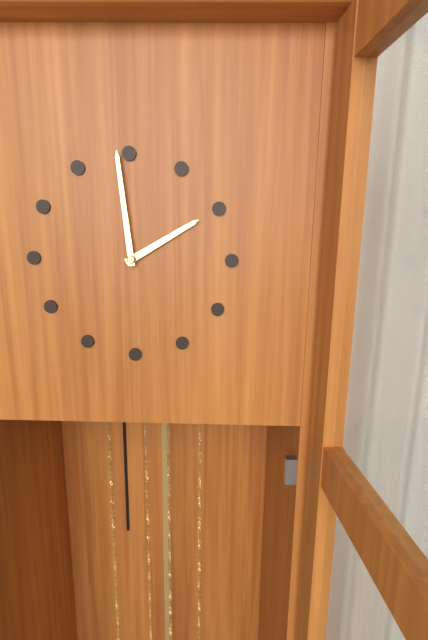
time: 1:59
